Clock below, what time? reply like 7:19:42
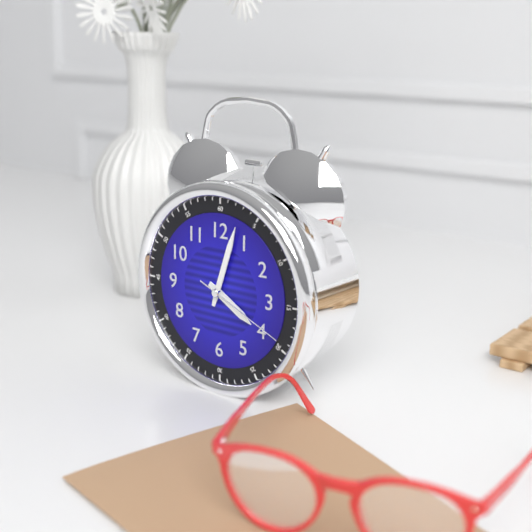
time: 4:03:19
